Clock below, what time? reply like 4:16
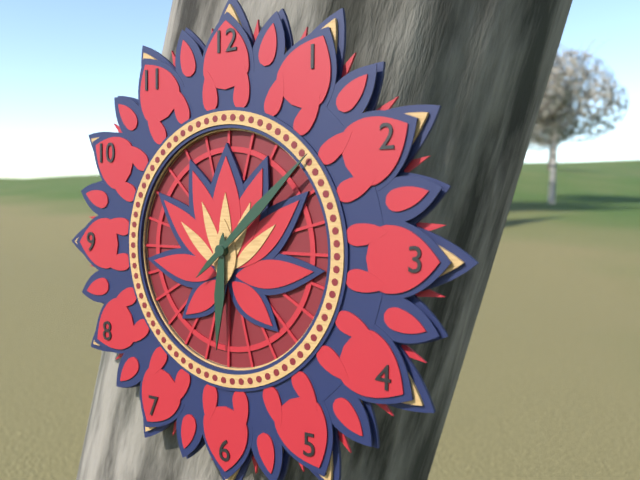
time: 6:08
